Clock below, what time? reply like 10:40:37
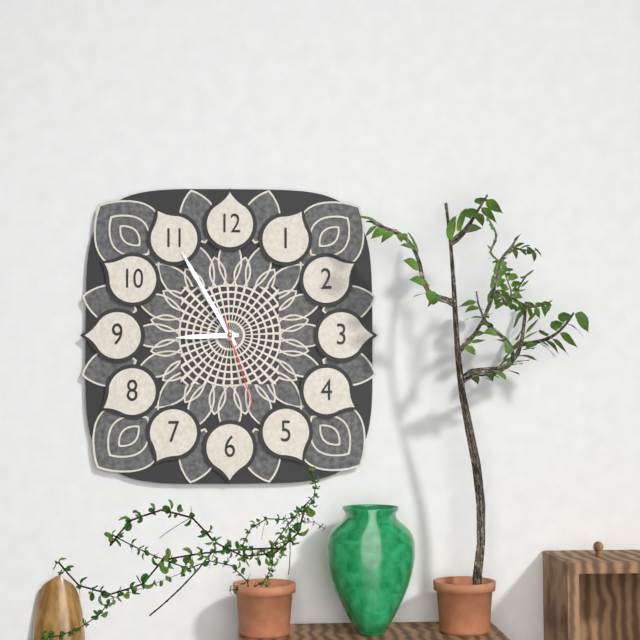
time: 8:55:27
